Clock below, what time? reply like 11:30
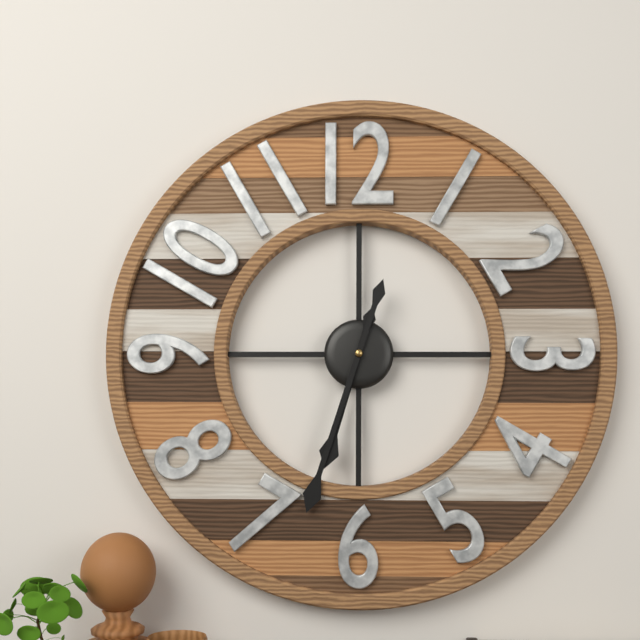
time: 6:33
